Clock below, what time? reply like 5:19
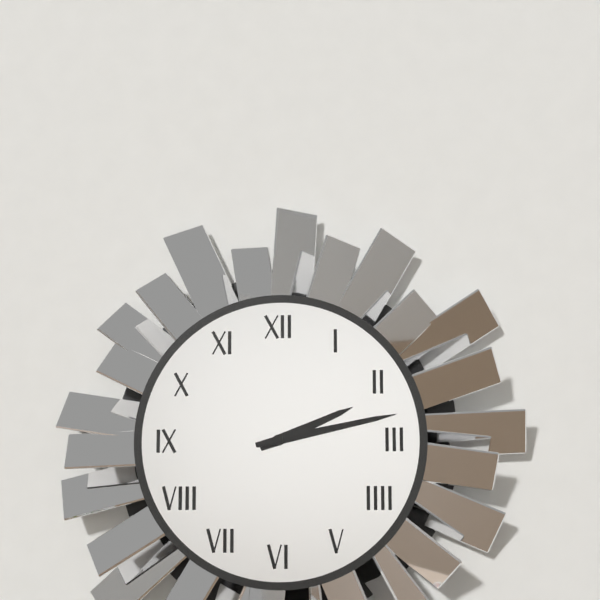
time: 2:13
